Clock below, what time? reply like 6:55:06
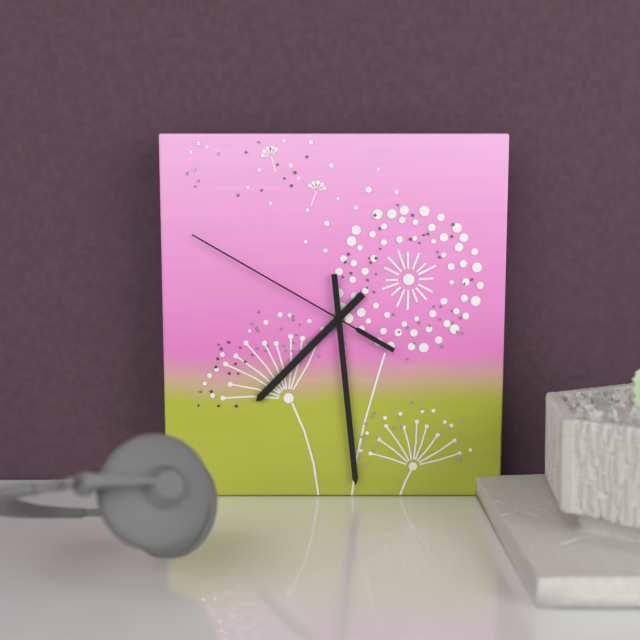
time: 7:29:50
